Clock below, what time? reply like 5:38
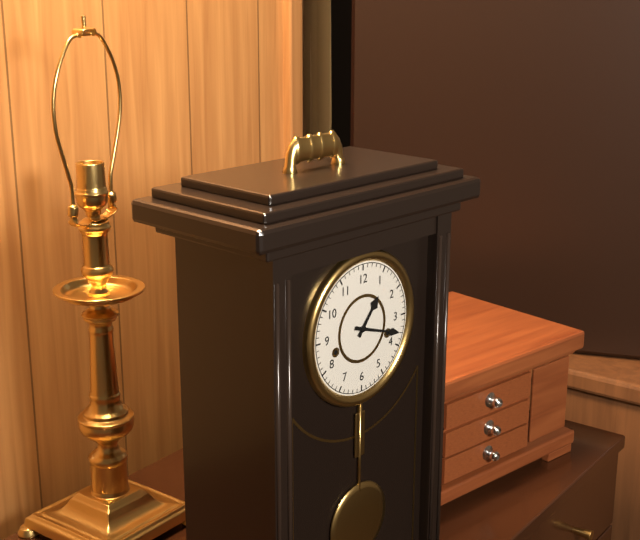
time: 1:18
